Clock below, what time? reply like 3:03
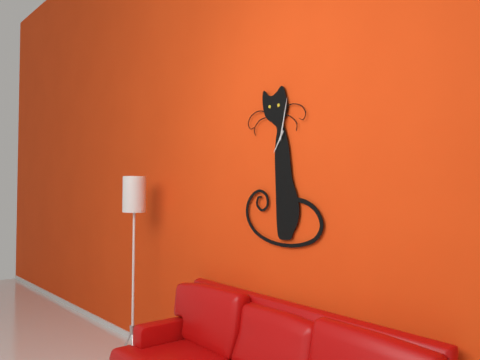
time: 7:02
